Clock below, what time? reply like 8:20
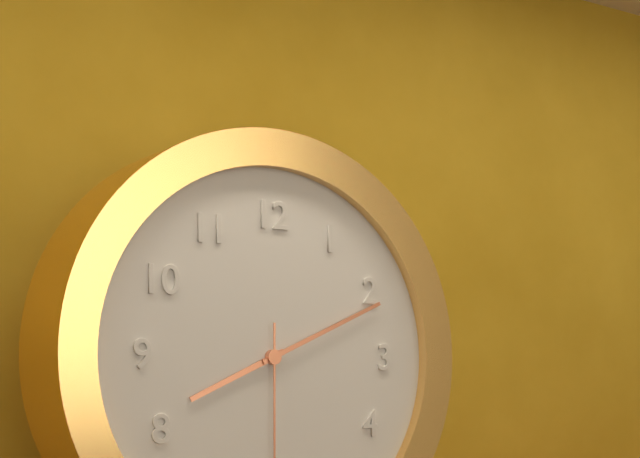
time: 8:11
